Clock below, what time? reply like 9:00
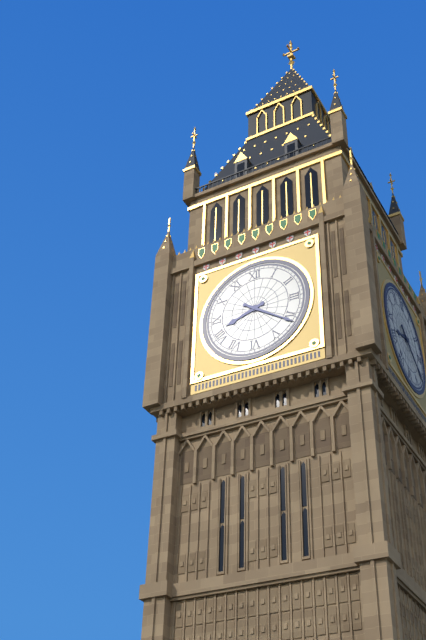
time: 8:21
